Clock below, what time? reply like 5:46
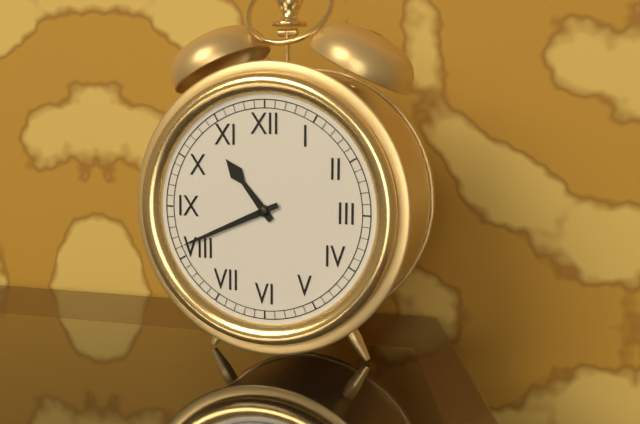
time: 10:41
